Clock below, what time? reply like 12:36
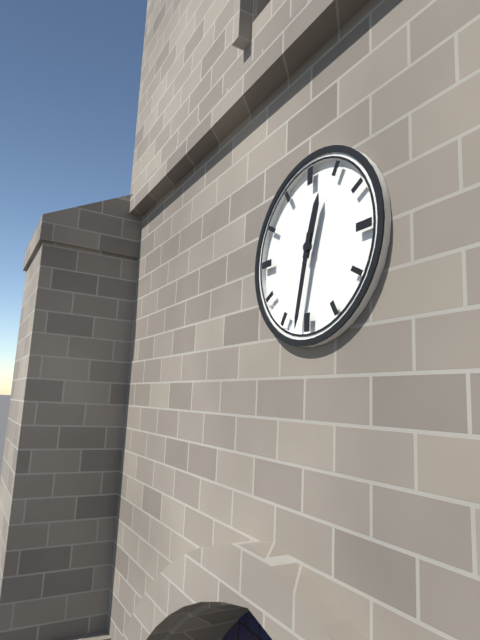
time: 12:32
